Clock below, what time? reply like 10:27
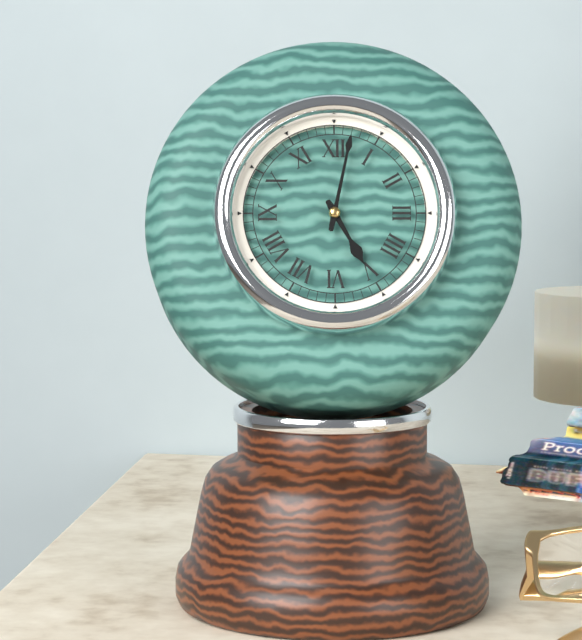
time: 5:02
